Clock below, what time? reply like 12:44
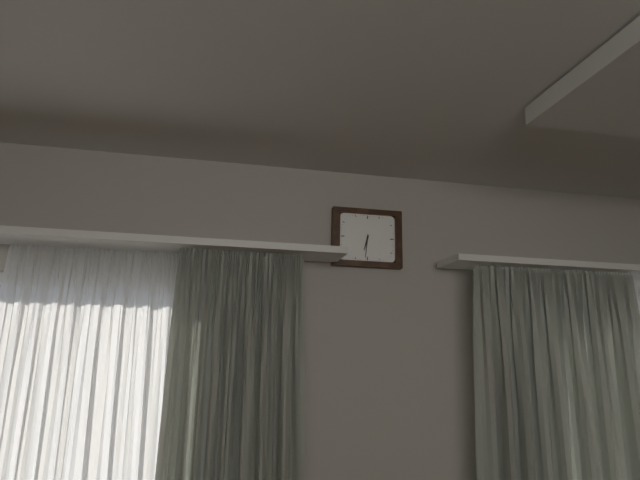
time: 6:31
